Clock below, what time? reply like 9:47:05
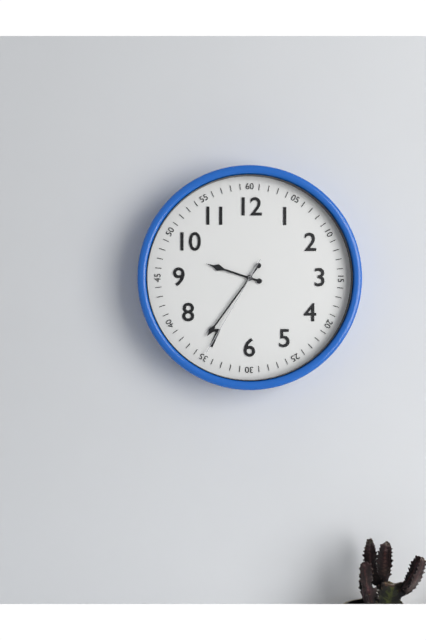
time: 9:36:35
